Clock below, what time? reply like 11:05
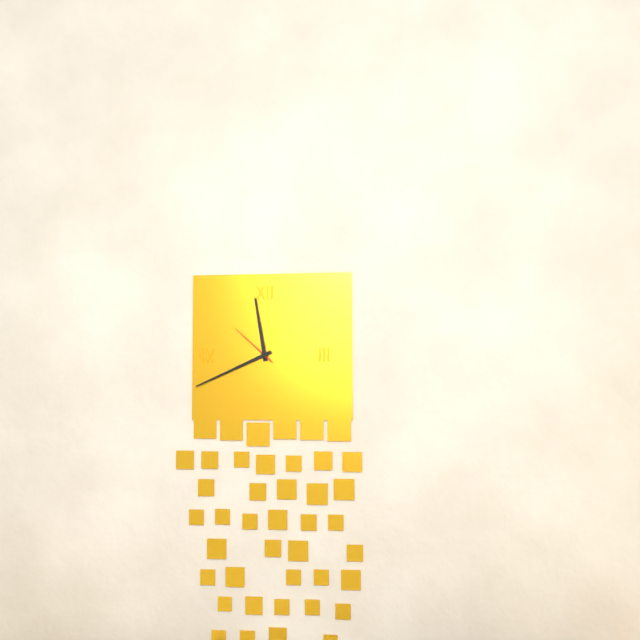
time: 11:41
